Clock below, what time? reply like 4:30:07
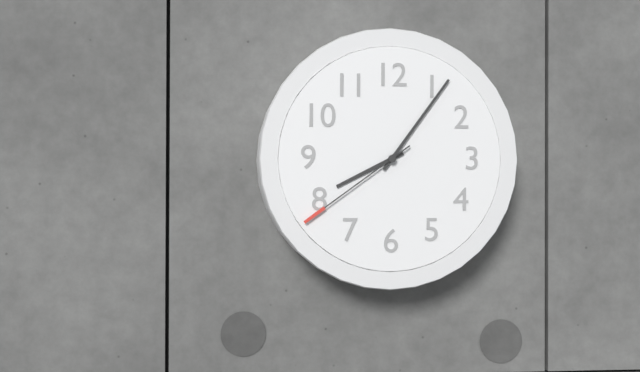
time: 8:06:39
